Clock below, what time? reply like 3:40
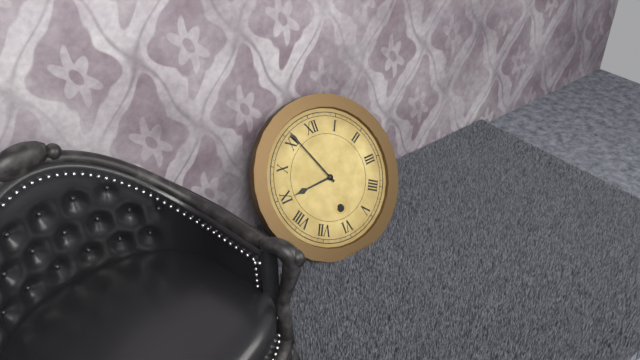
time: 8:56
